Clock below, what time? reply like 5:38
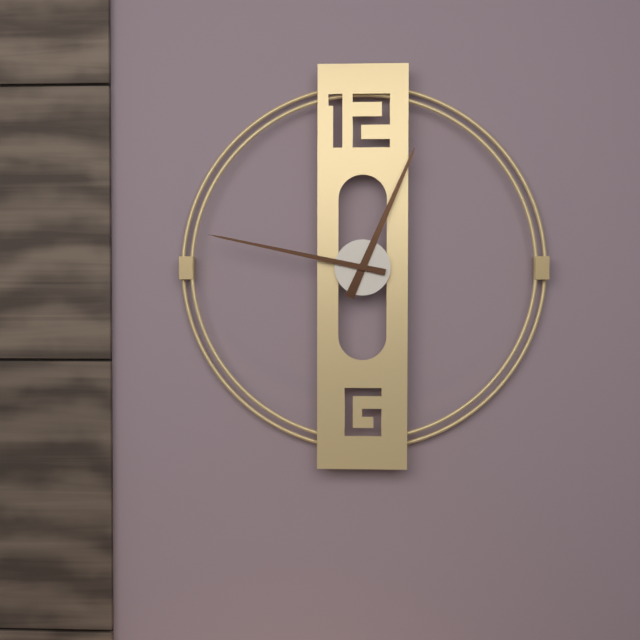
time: 12:47
